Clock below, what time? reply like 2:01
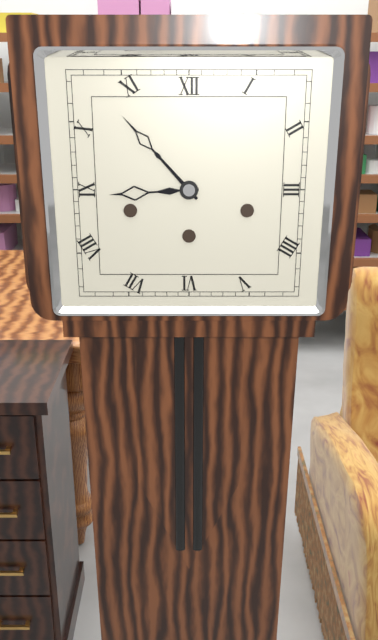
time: 8:53
